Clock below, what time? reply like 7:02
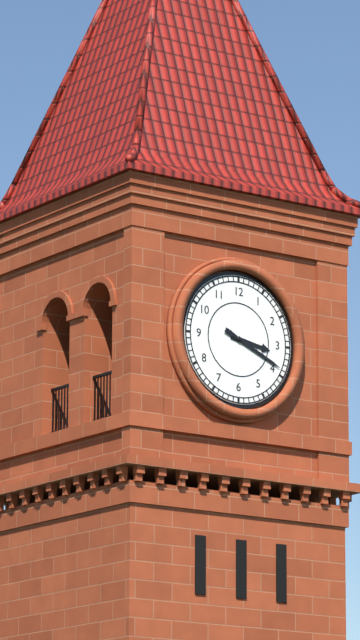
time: 3:19
